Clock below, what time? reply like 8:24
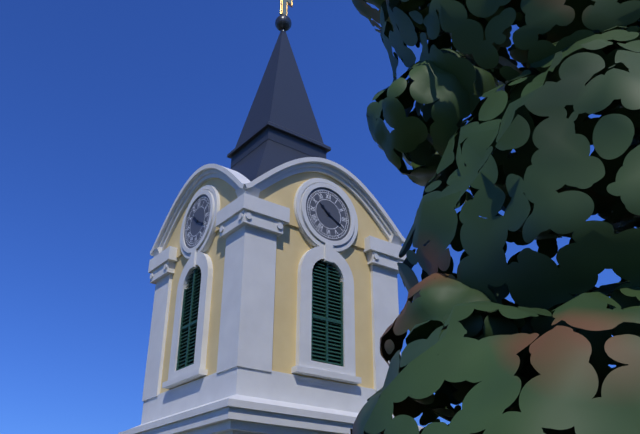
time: 10:20
